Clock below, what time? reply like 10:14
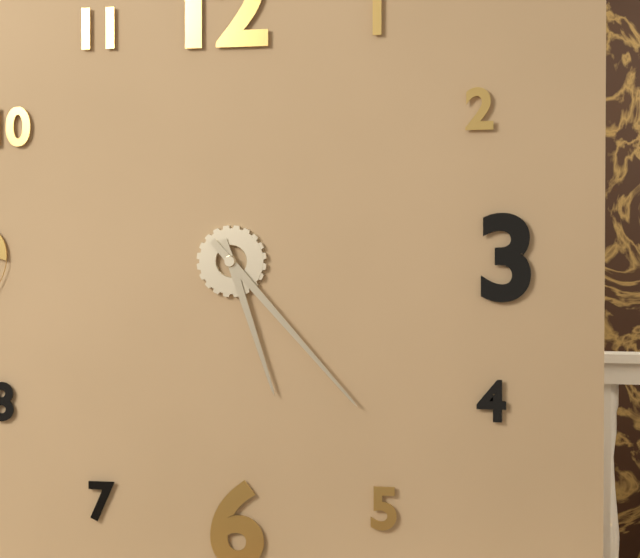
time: 5:23
